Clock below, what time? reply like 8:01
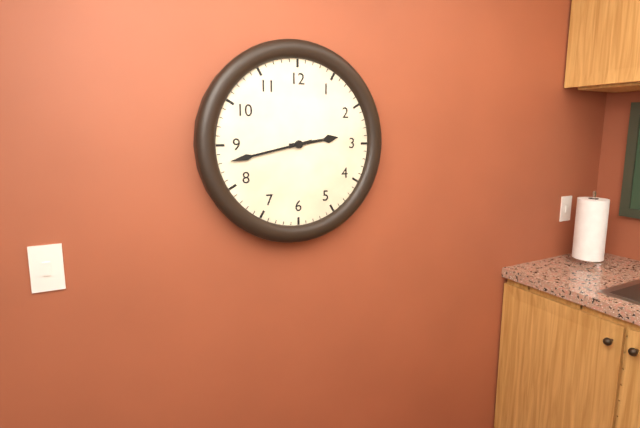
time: 2:43
